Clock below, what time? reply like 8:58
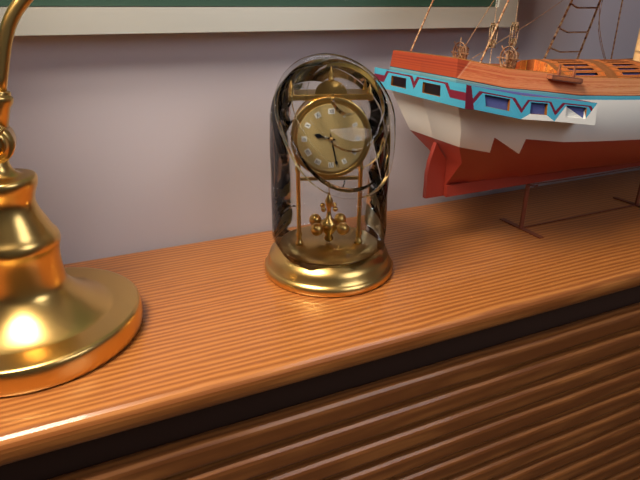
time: 9:28
